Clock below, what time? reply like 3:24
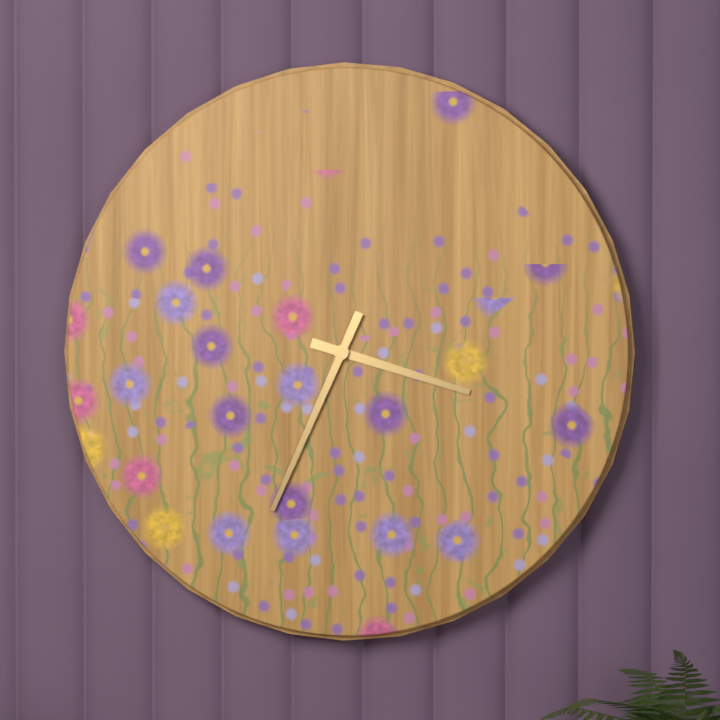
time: 3:34
